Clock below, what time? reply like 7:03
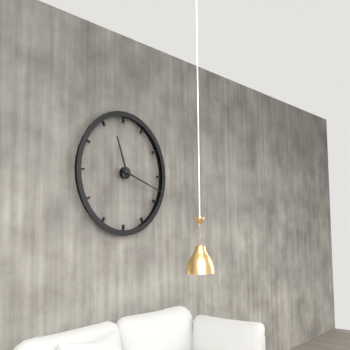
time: 11:18
